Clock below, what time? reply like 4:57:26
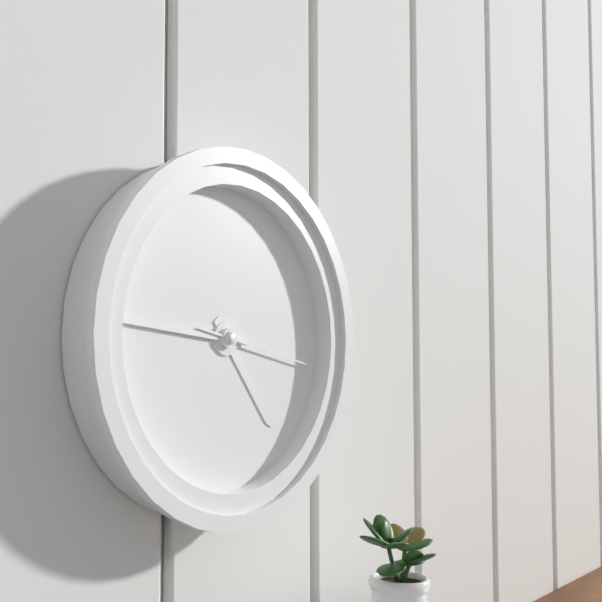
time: 4:46:17
